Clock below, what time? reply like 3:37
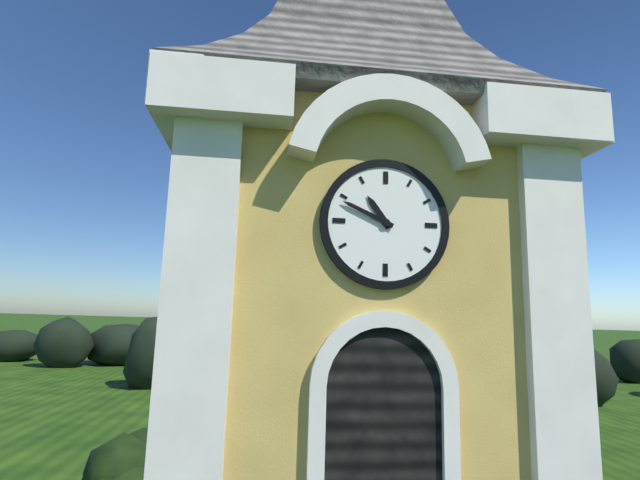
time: 10:49
